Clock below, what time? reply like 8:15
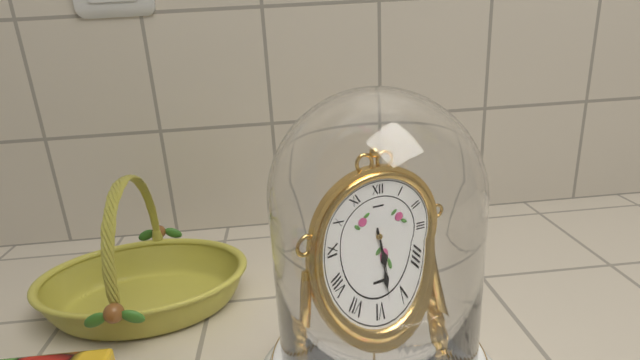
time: 5:28
